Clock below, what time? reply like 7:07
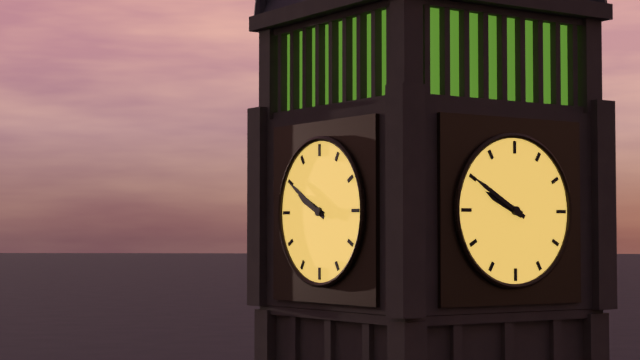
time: 9:50
